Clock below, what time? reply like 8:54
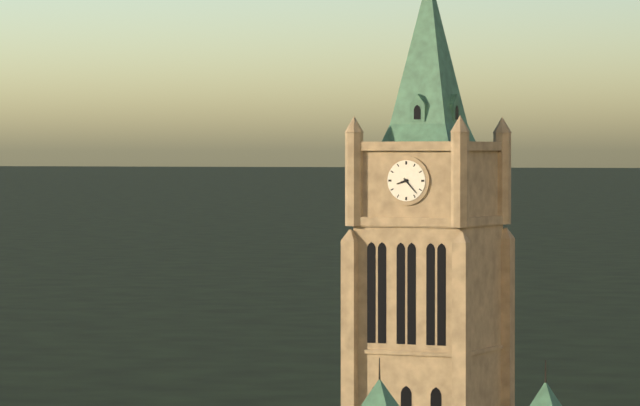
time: 8:23
